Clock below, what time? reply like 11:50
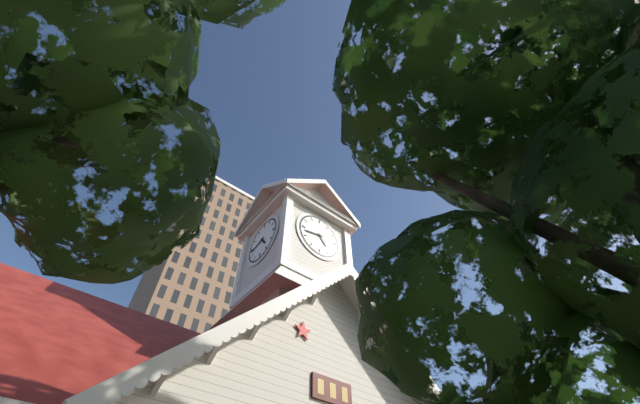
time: 4:43
